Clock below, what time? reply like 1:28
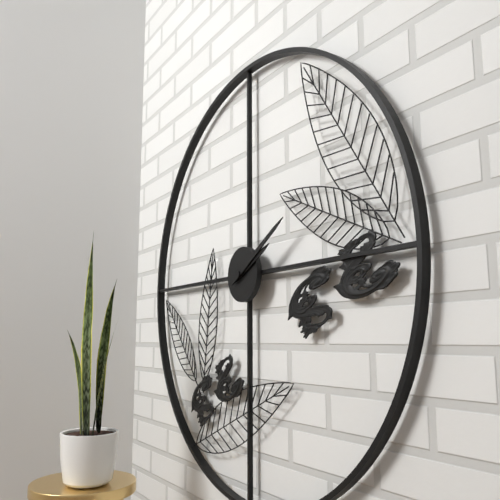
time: 2:10
